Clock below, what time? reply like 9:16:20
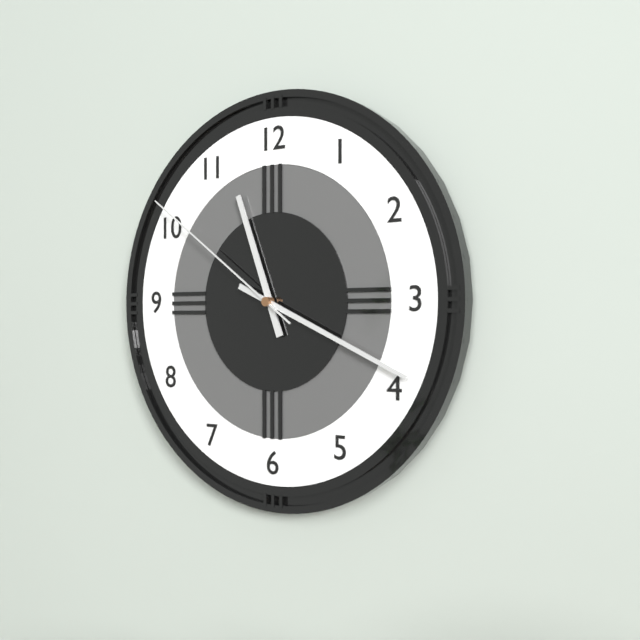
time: 11:19:51
